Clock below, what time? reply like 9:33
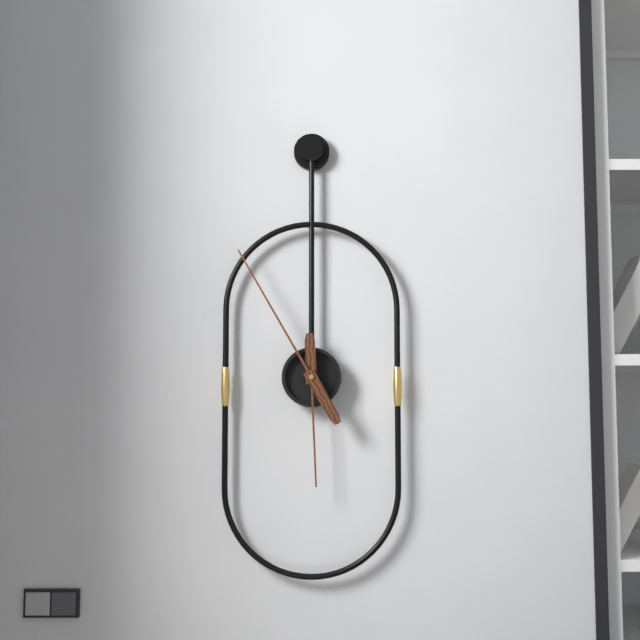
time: 5:55
